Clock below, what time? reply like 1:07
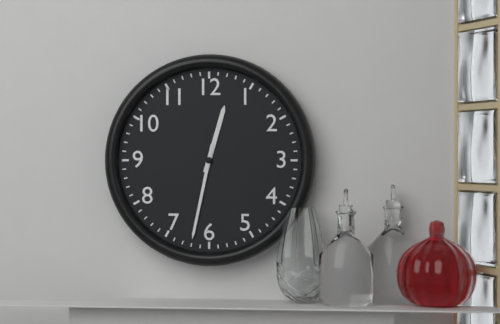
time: 12:32
